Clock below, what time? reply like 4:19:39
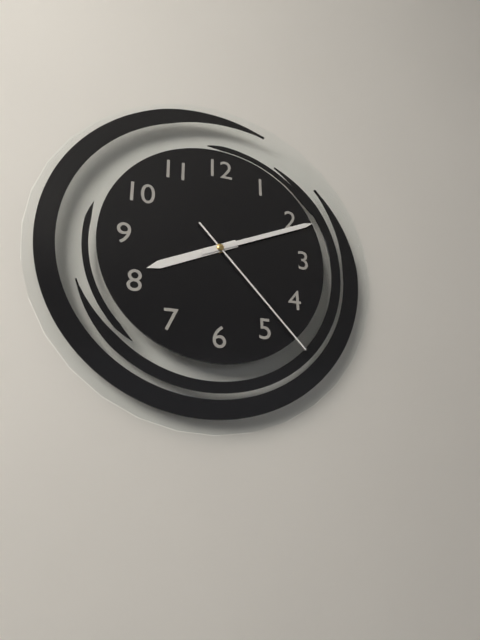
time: 8:11:23
